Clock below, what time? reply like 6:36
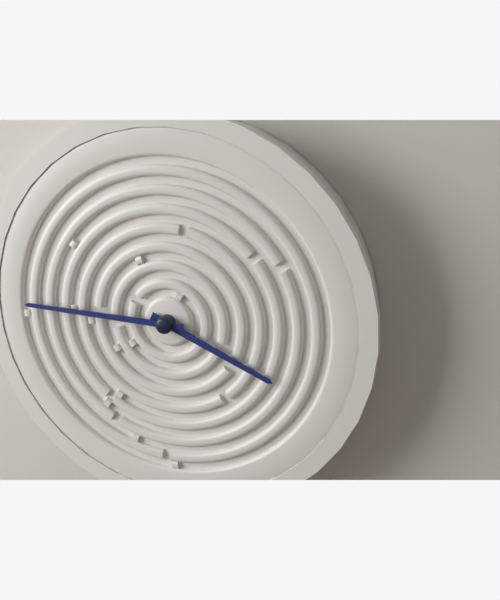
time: 3:45
